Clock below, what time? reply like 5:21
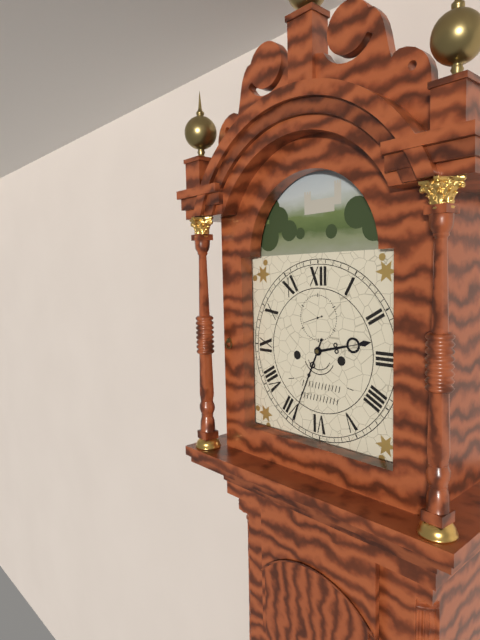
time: 2:34
